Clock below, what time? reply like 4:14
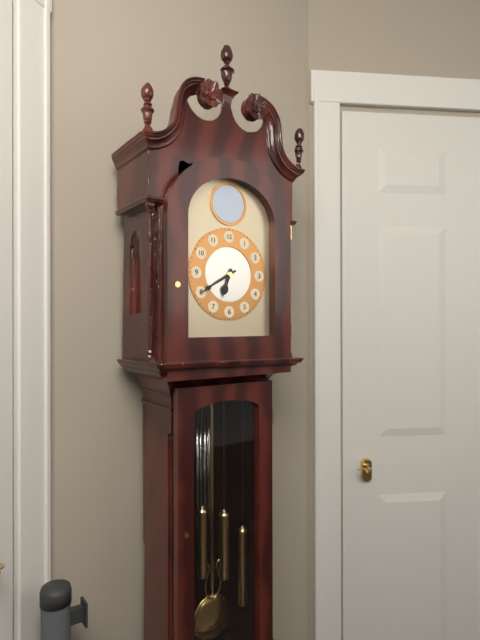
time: 6:40
